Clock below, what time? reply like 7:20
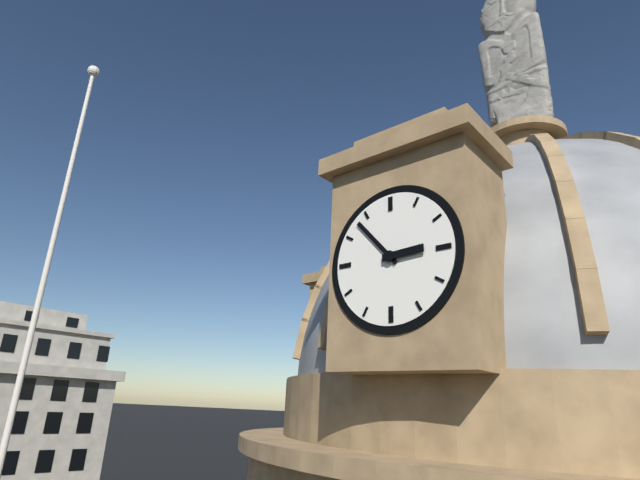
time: 2:53
